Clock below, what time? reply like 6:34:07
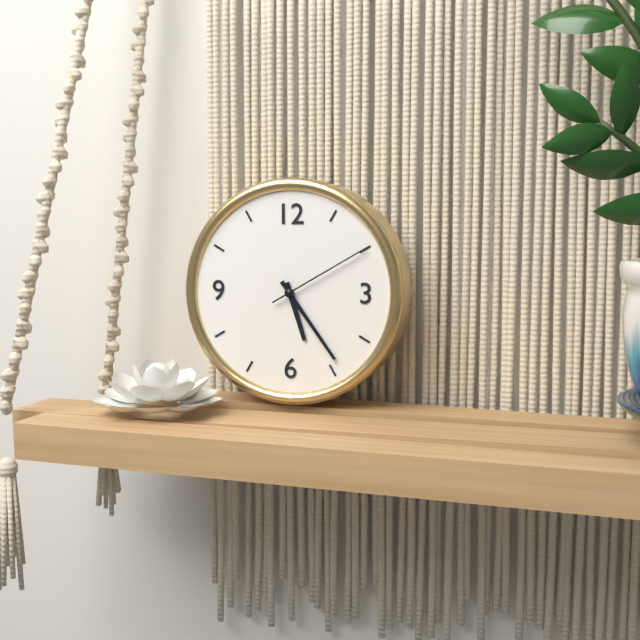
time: 5:24:10
